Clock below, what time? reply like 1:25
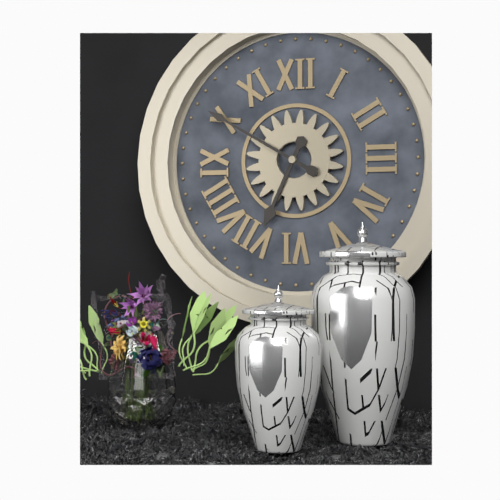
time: 6:50
